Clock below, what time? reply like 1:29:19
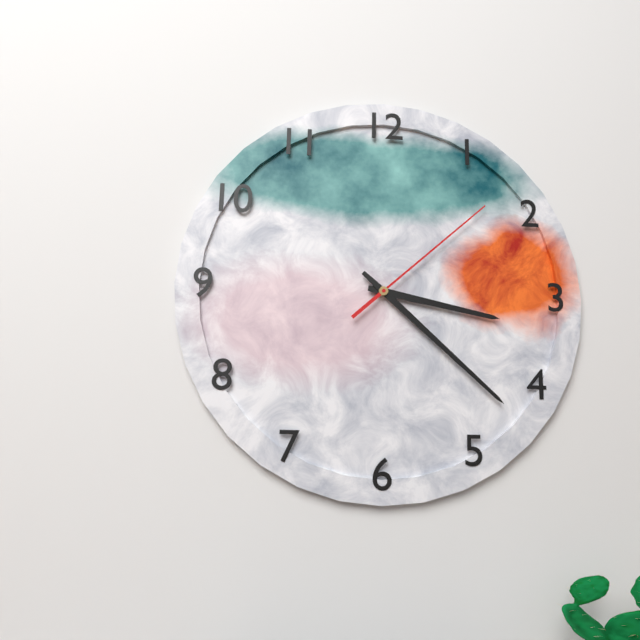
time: 3:22:08
